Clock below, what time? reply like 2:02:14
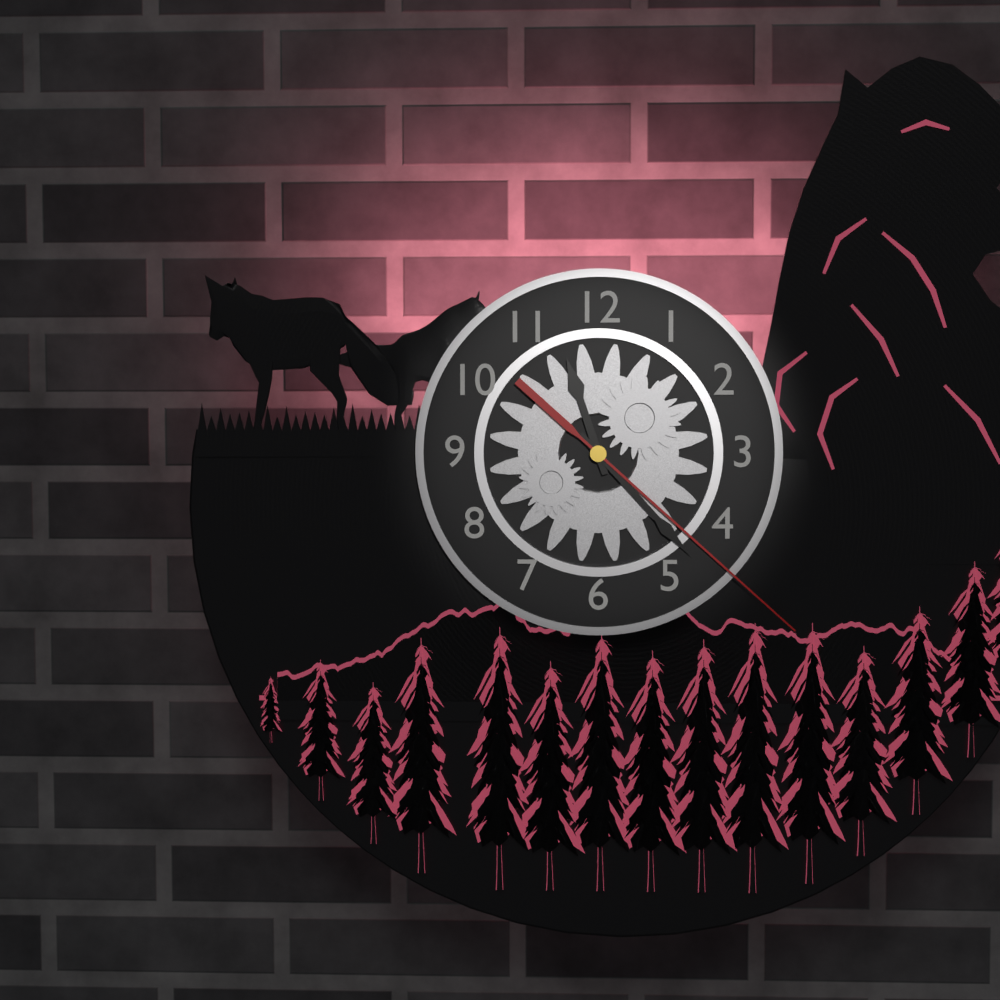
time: 11:23:22
